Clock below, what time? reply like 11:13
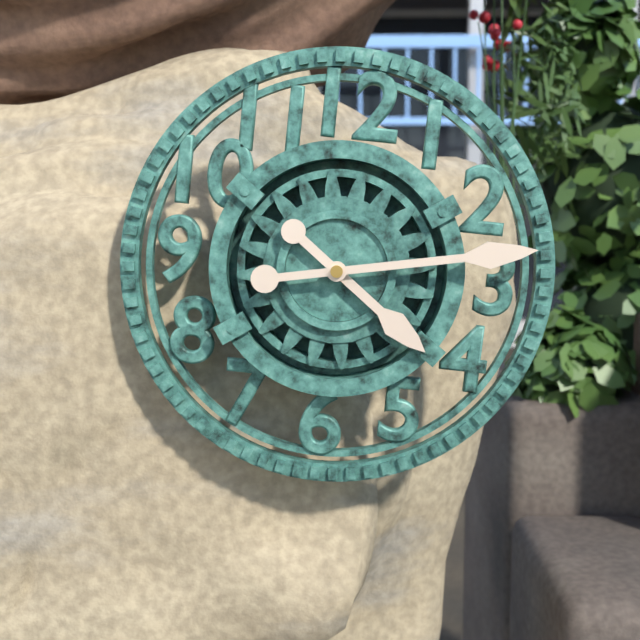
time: 4:13
